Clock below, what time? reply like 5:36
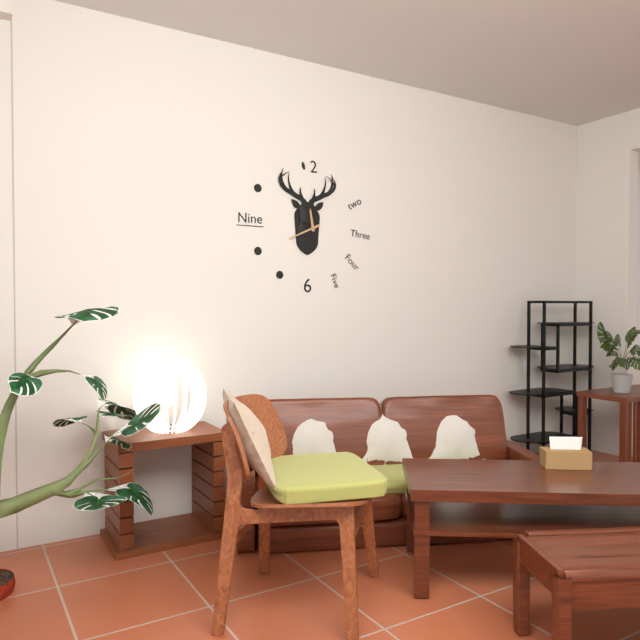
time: 11:41
